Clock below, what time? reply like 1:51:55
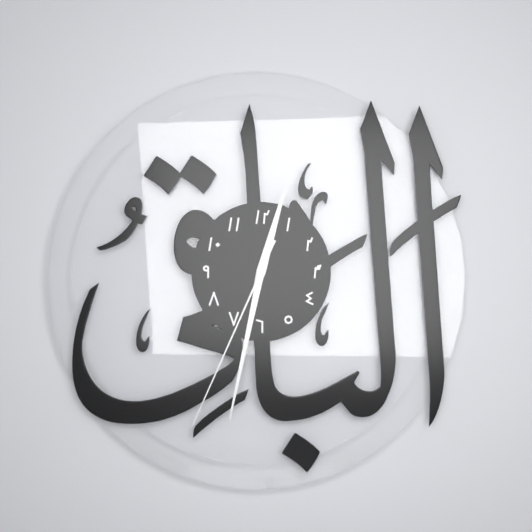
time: 12:32:34
